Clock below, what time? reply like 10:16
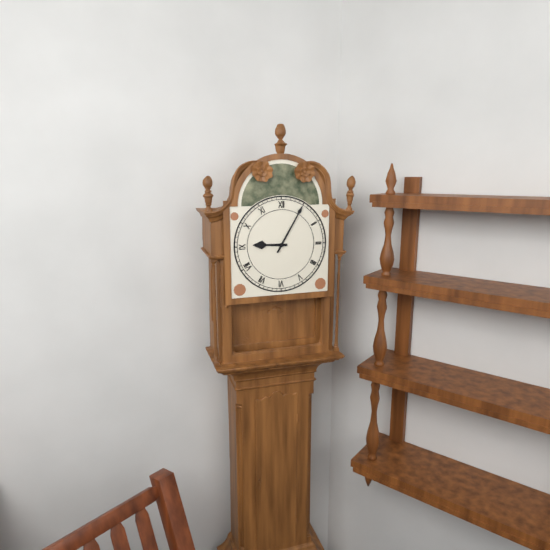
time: 9:05
